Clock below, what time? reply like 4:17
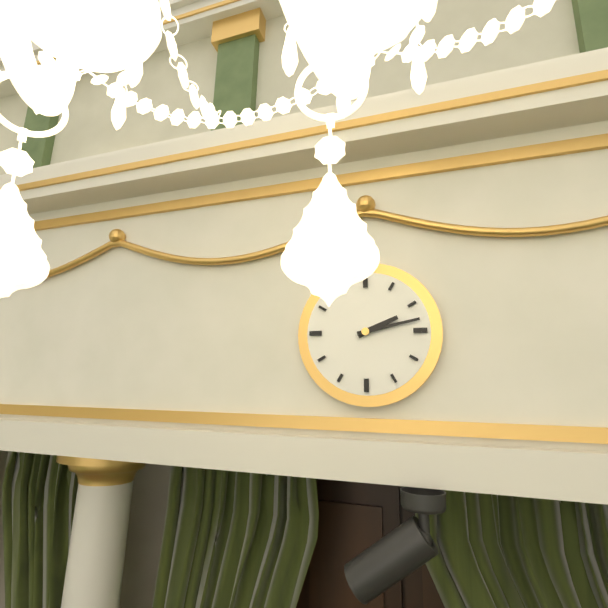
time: 2:13
